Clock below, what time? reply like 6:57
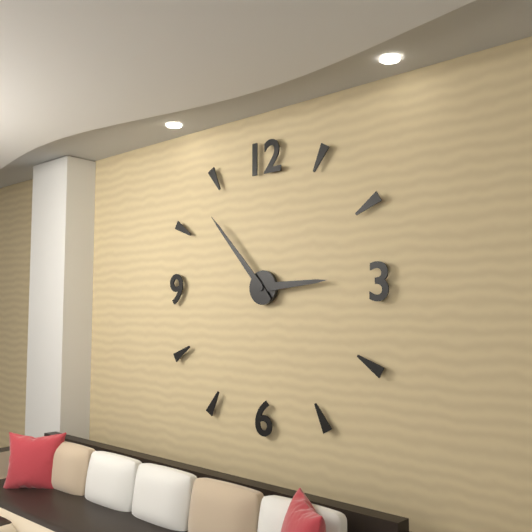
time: 2:53
